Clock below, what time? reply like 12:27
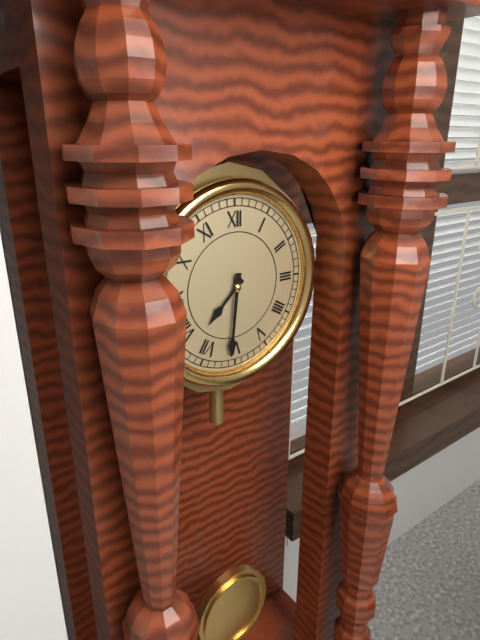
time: 7:31
